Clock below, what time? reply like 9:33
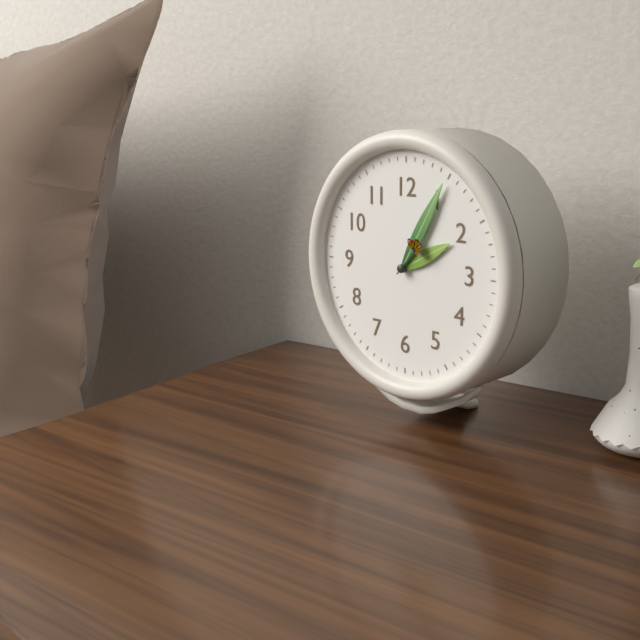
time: 2:05
